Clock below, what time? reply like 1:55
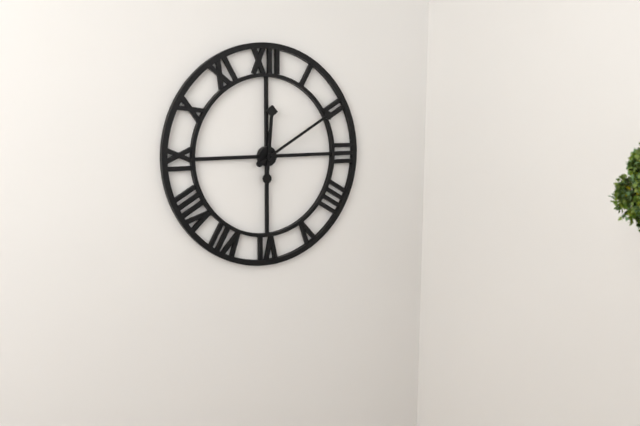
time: 12:10
